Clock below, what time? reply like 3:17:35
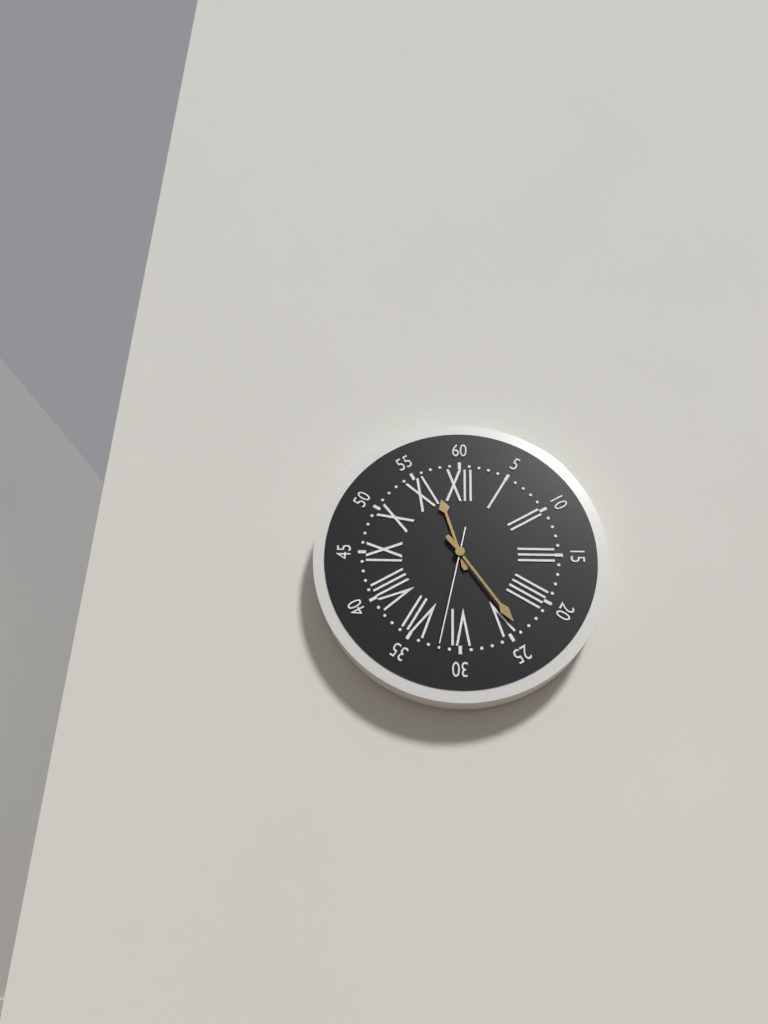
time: 11:24:32
